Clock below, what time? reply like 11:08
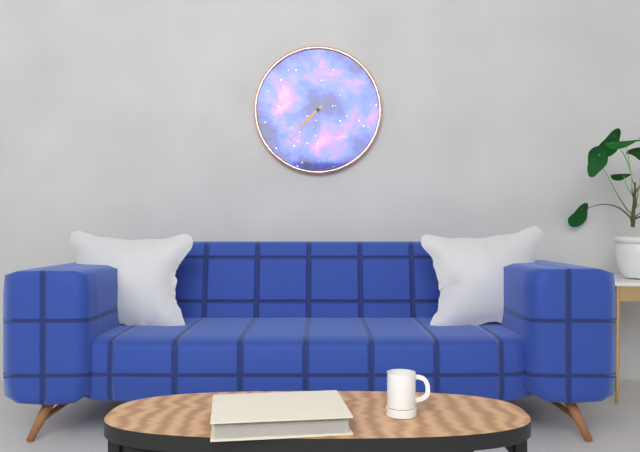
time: 7:37
